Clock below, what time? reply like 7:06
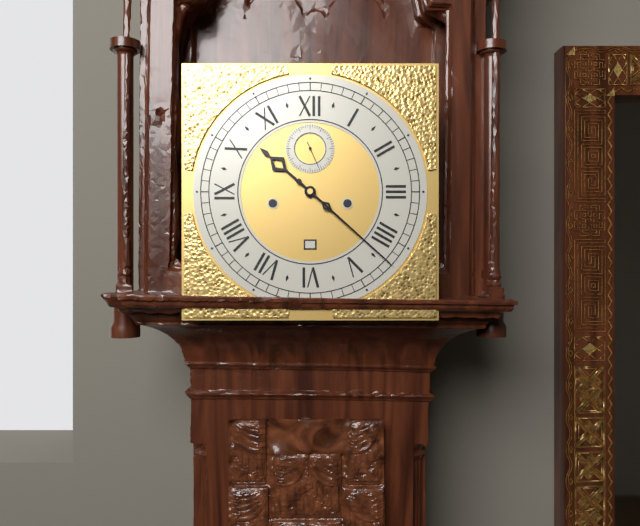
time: 10:22
